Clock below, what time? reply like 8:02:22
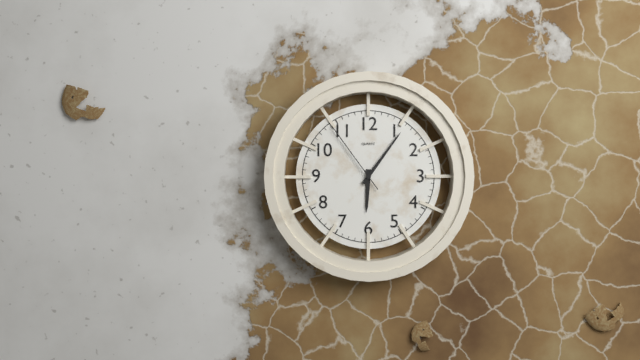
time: 6:06:54
